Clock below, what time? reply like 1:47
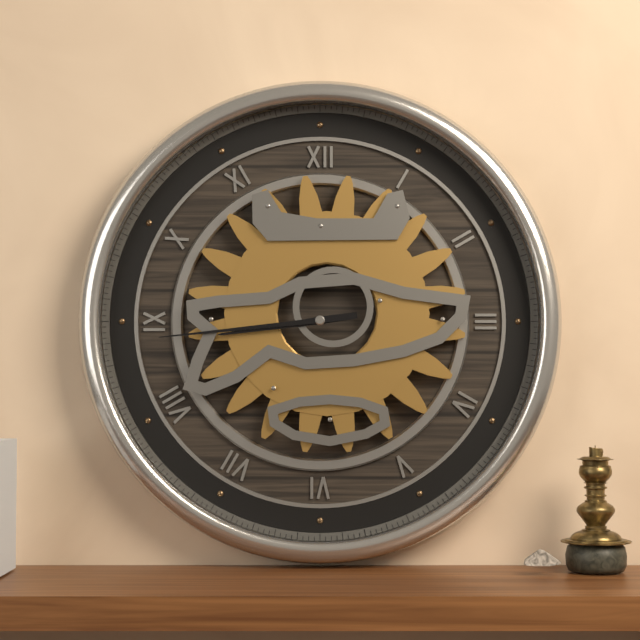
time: 8:44
